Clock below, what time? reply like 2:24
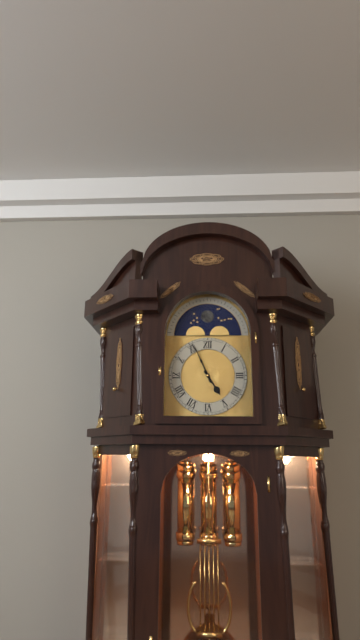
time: 4:56
